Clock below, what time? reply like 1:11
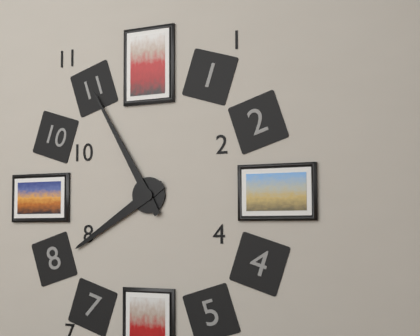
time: 7:55
